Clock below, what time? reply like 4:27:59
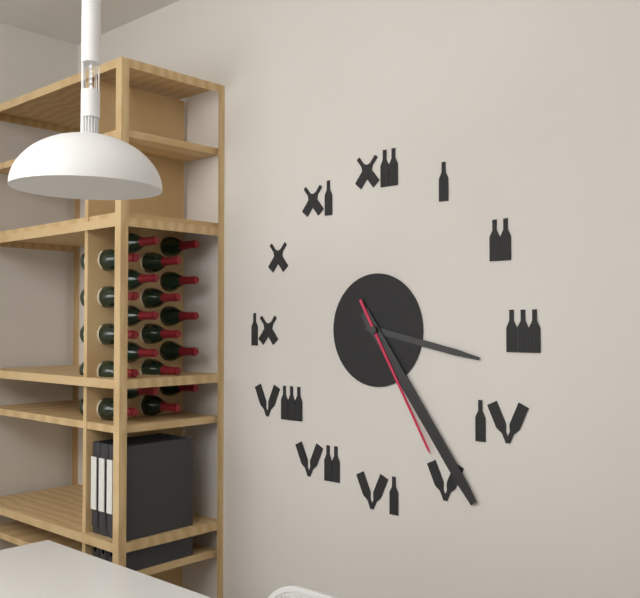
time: 3:24:25
